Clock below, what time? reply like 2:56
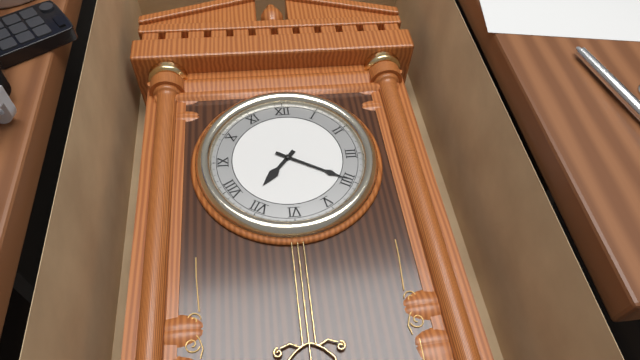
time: 7:20
